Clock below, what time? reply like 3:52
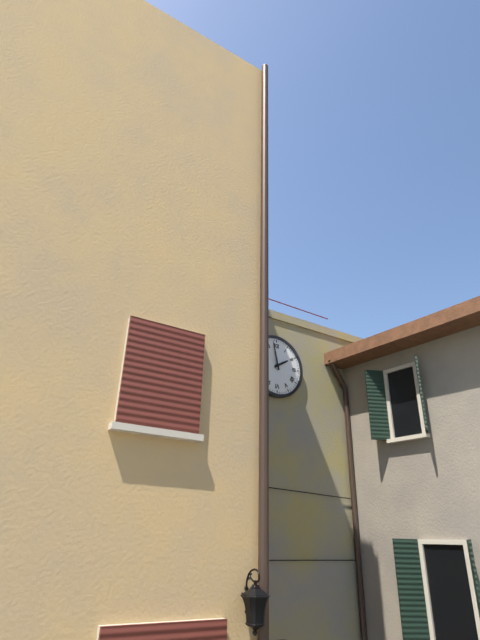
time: 1:58
